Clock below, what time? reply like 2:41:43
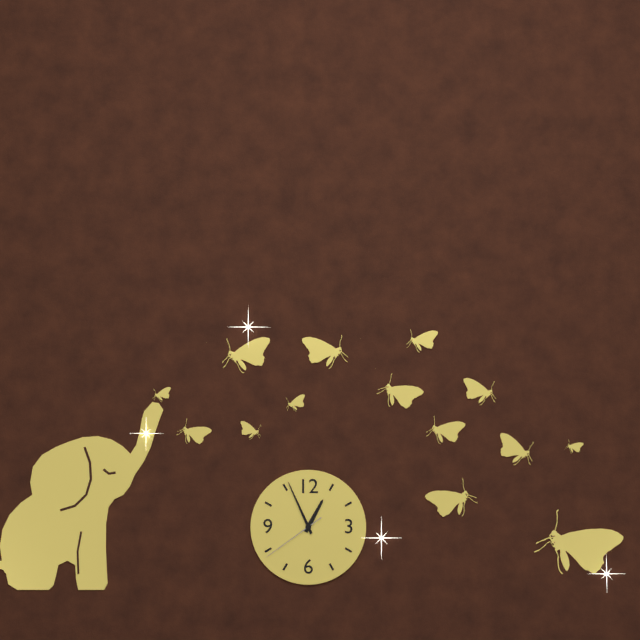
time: 12:56:39
